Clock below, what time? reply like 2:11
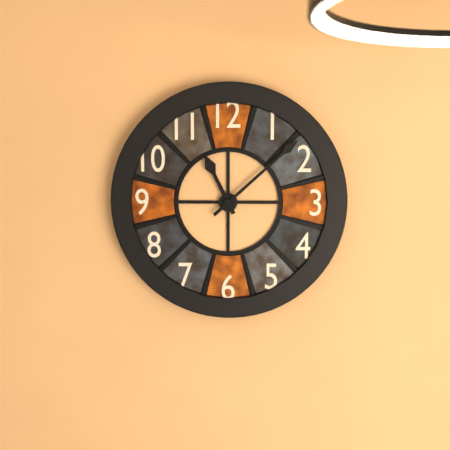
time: 11:08
